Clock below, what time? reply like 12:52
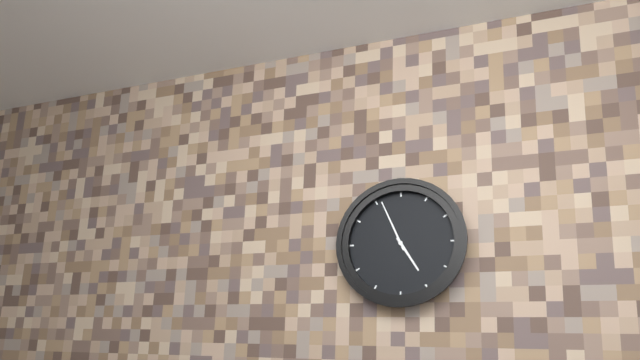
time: 4:56
